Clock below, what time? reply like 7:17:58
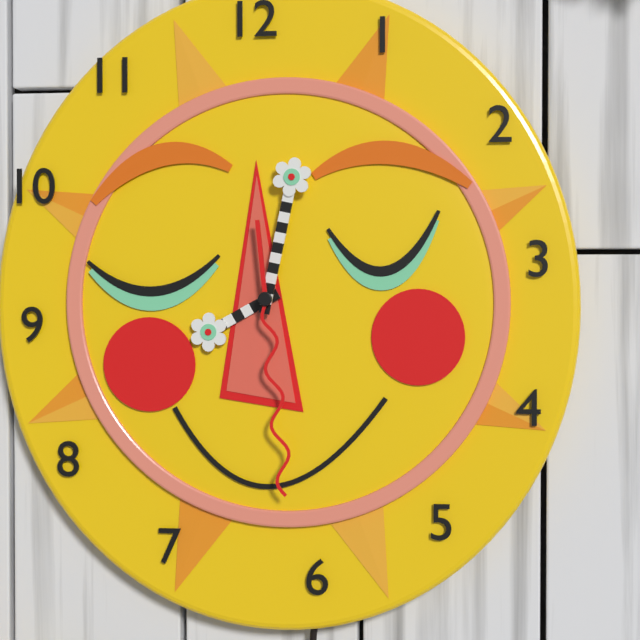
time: 8:02:29
